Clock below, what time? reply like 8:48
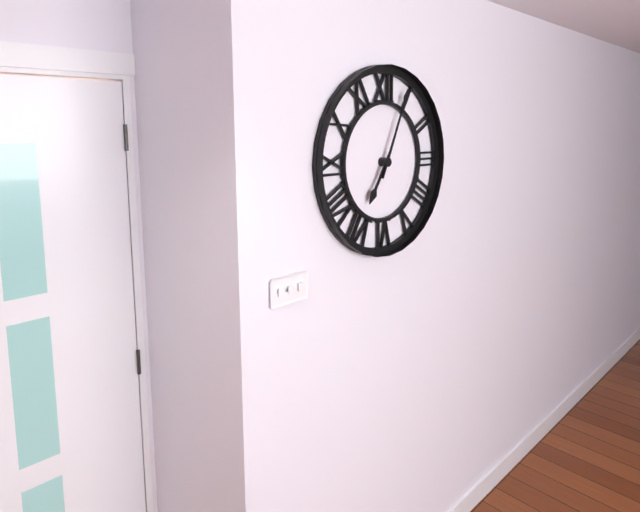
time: 7:04
